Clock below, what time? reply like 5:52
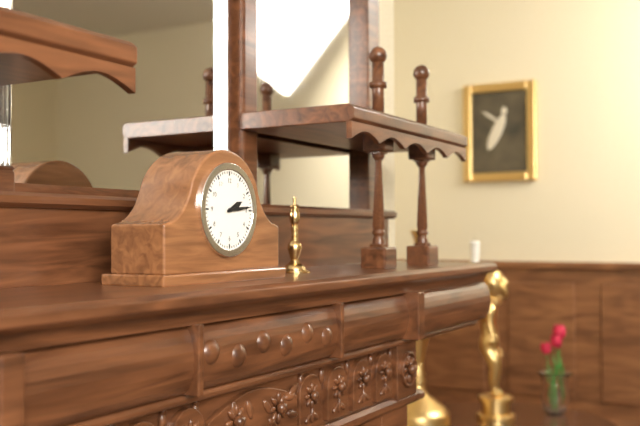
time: 2:14
